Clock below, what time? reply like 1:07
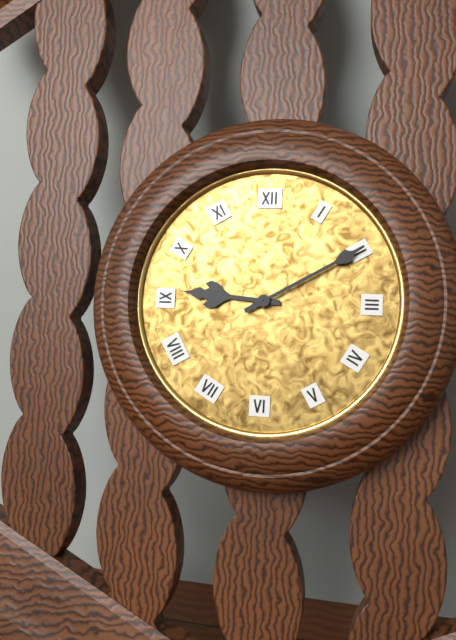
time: 9:10
